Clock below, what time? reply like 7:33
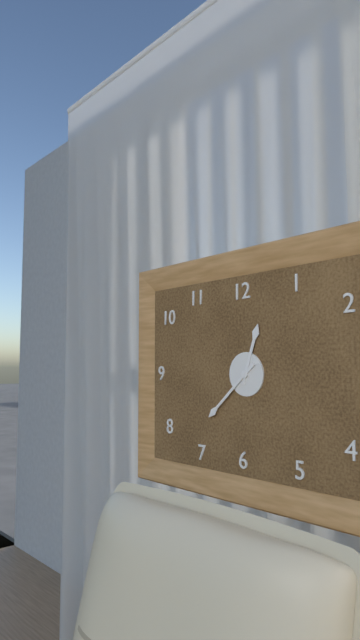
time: 12:38
